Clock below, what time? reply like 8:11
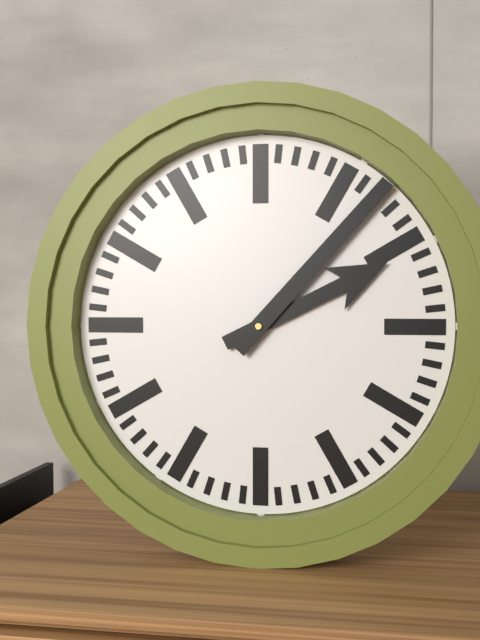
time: 2:07
